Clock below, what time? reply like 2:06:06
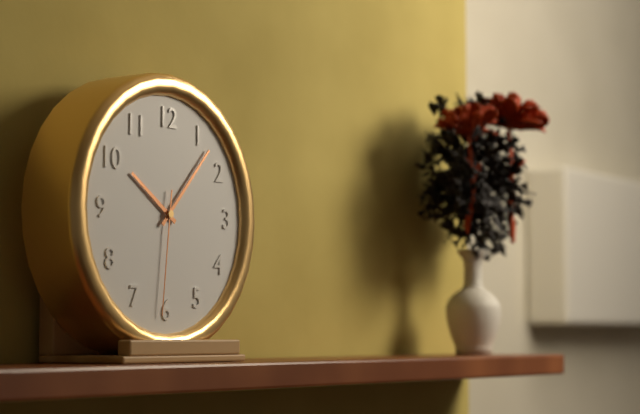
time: 10:07:31
